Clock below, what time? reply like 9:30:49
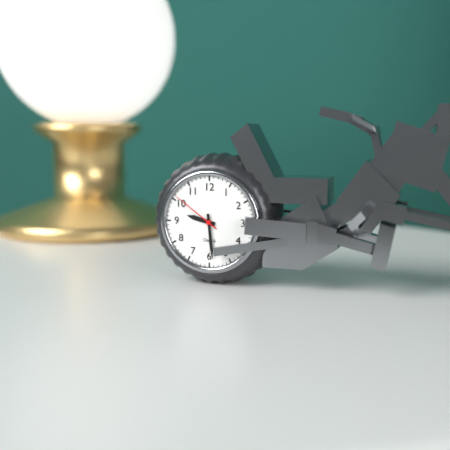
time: 9:29:51
